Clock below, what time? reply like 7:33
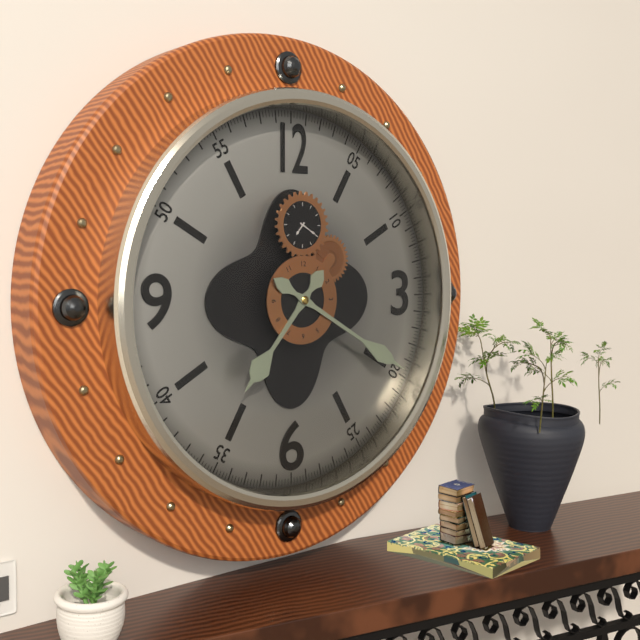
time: 7:20
